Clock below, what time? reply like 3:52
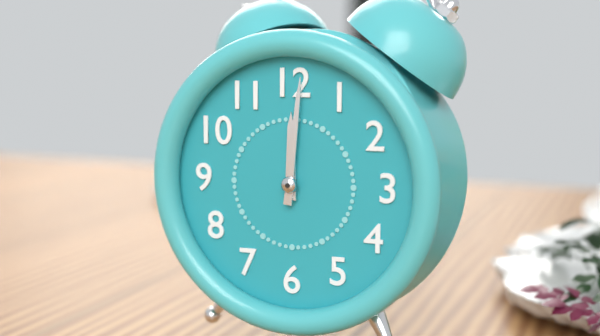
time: 12:01
